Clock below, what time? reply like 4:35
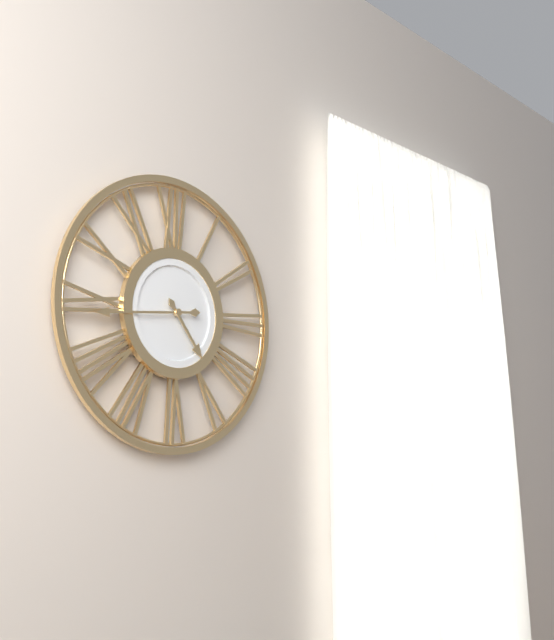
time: 4:44
